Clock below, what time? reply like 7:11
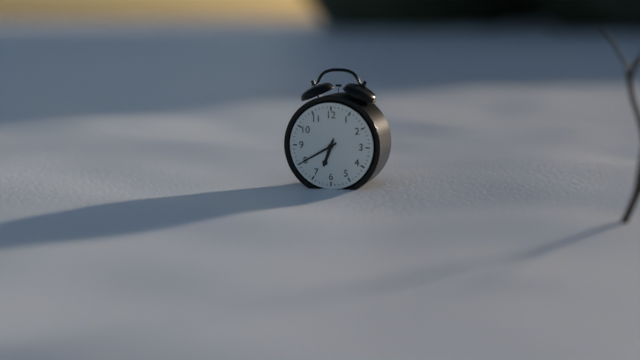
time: 6:40
